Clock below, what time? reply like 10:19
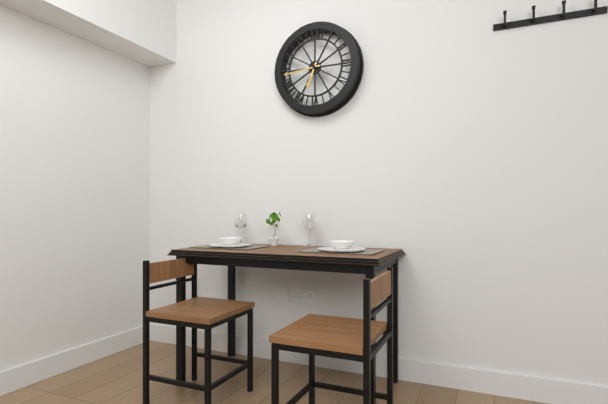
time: 6:44
